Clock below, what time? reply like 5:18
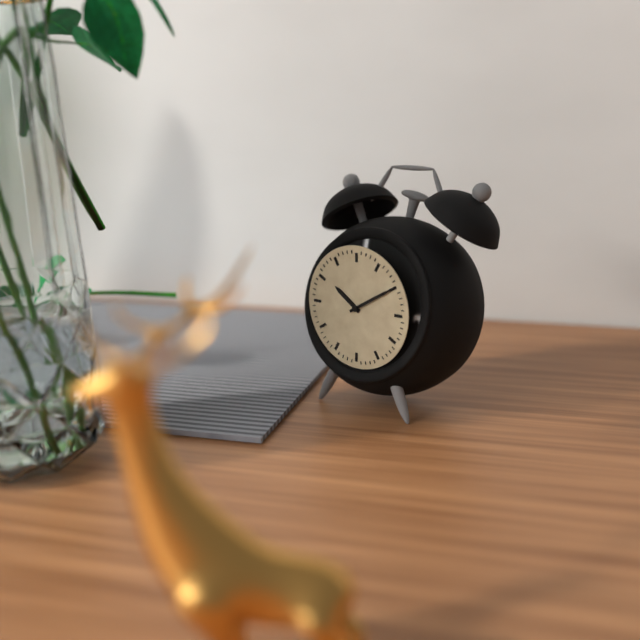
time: 10:10
